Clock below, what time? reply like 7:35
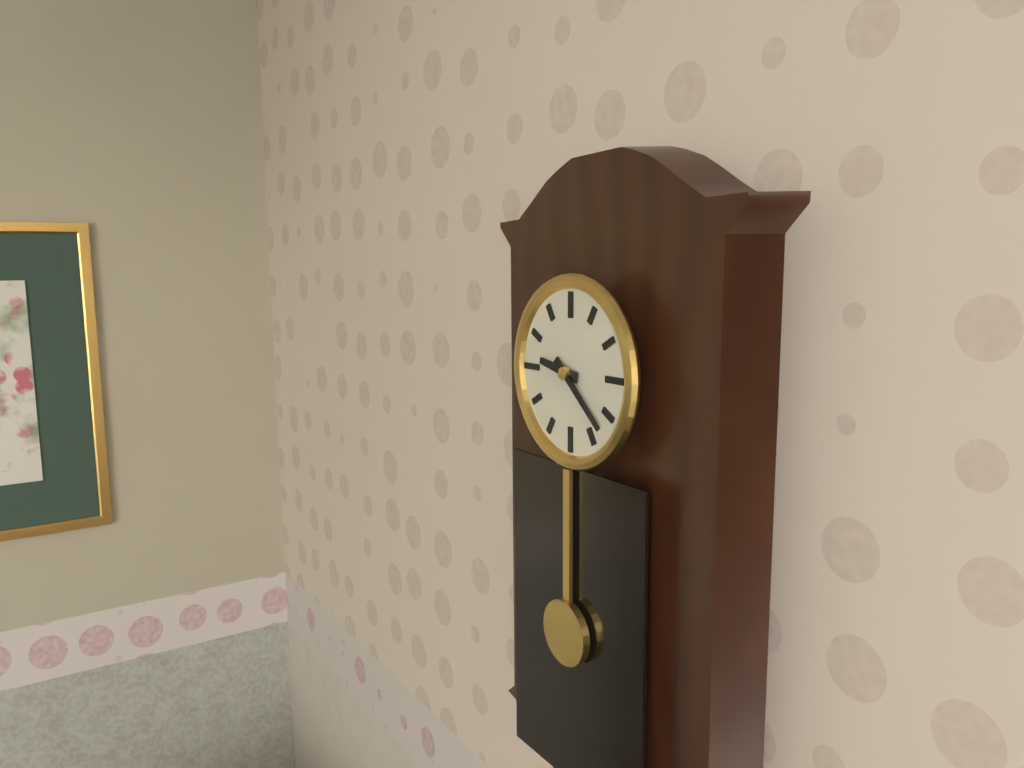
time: 9:22
